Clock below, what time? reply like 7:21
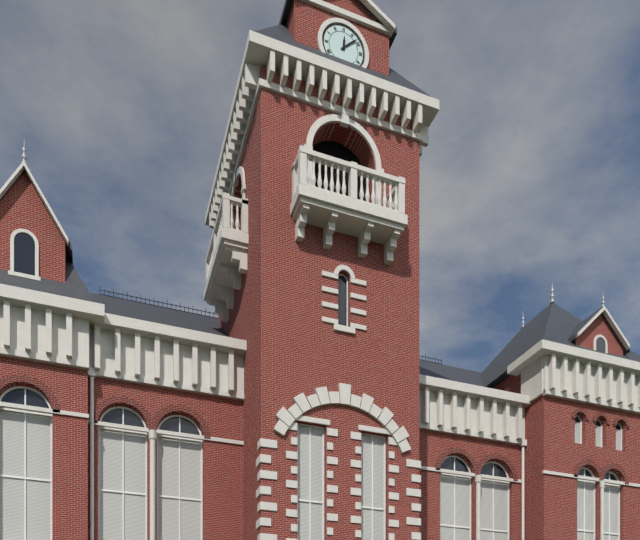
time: 12:08
